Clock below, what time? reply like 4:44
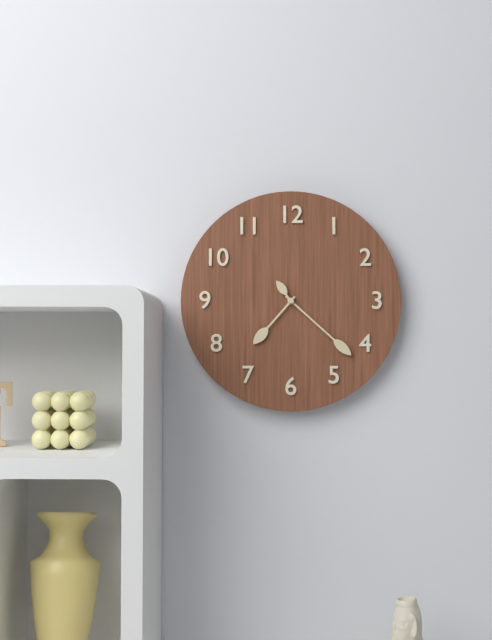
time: 7:22
